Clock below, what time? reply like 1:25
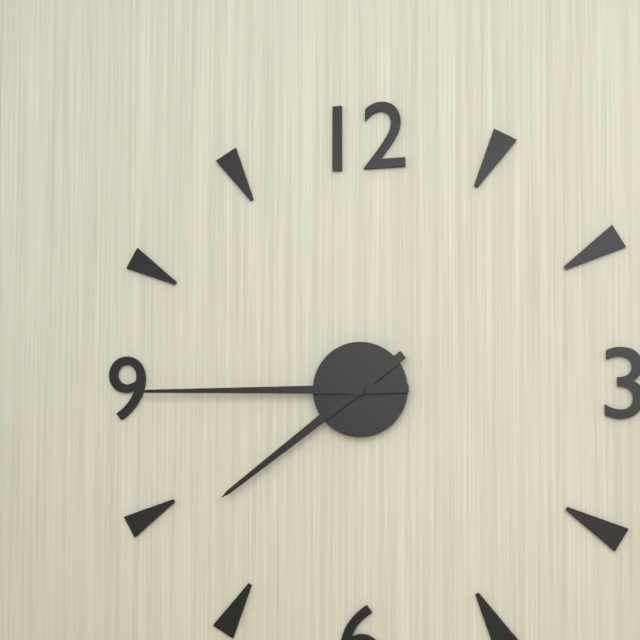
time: 7:45
